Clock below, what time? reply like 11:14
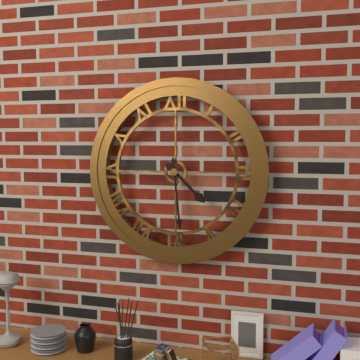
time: 4:29
